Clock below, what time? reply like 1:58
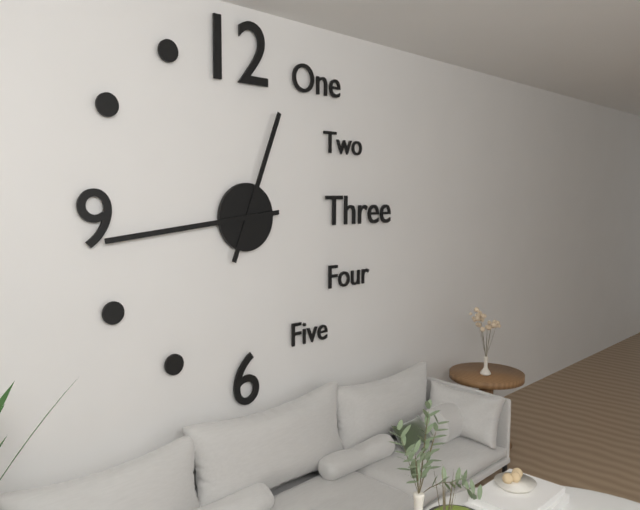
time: 12:44
